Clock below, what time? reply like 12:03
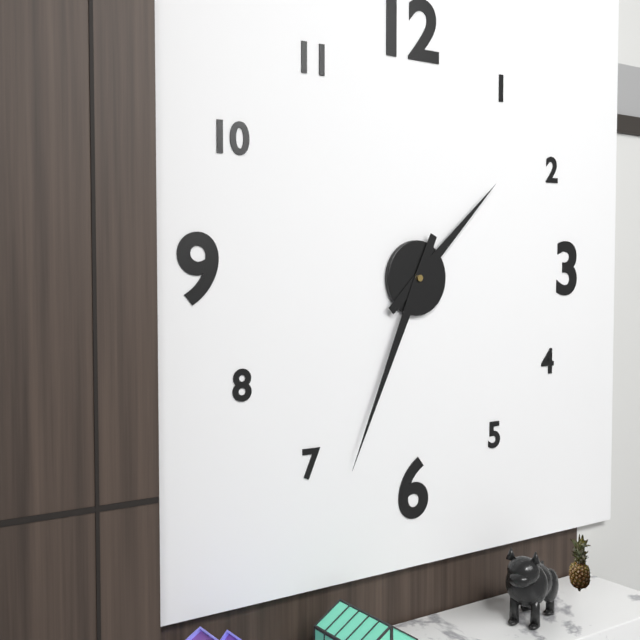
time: 1:34
